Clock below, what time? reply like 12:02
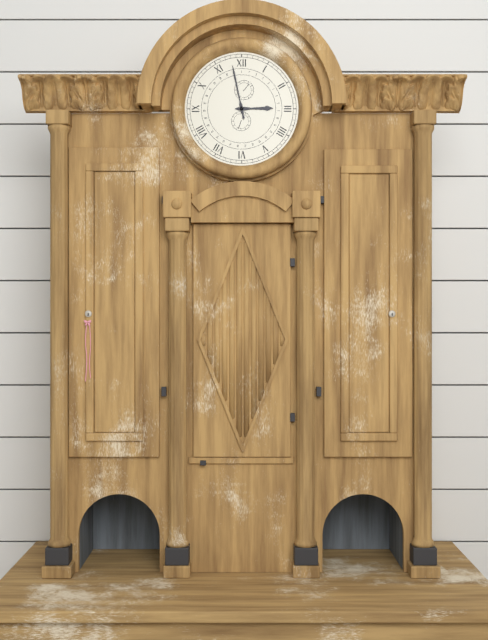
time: 2:58
